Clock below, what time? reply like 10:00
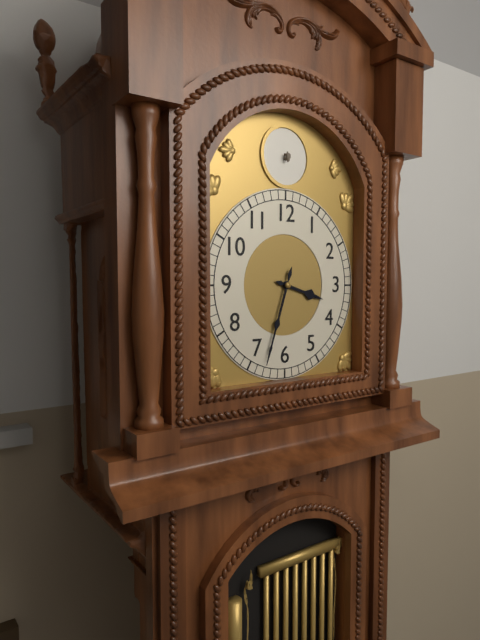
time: 3:33
